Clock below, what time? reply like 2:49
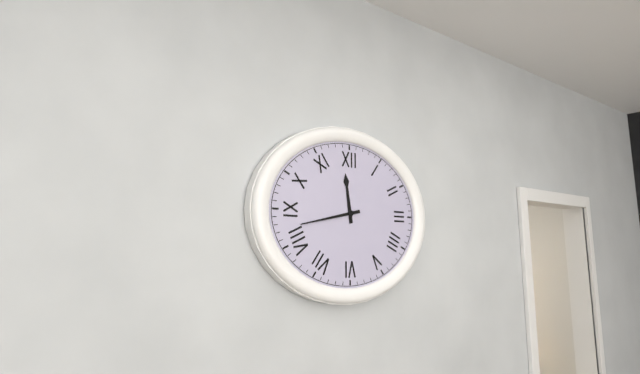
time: 11:43
